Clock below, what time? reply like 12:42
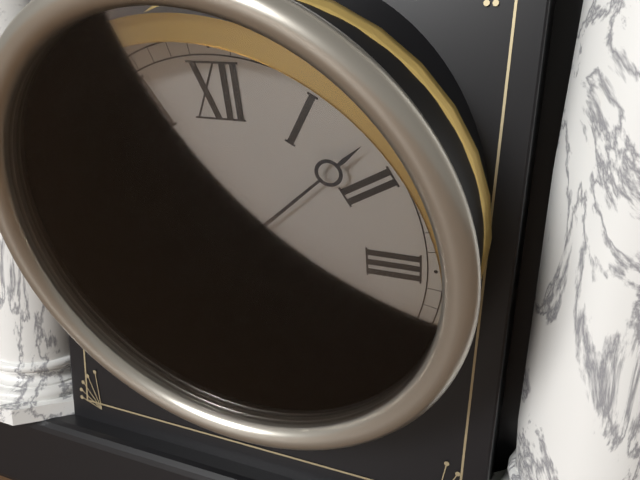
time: 10:08
